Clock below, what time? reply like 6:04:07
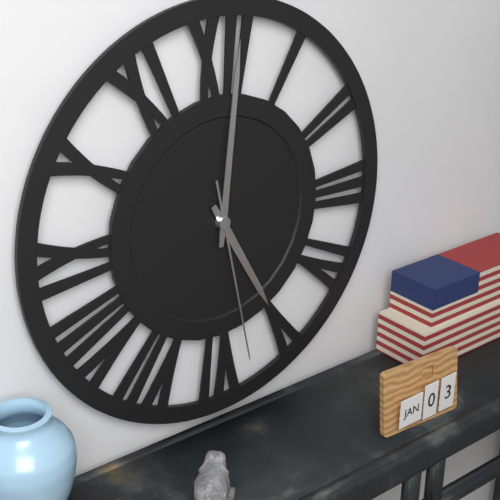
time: 5:01:28
